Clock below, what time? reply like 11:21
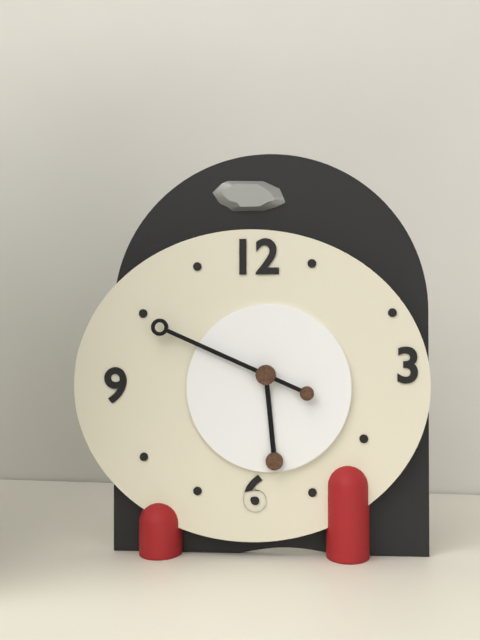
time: 5:49
